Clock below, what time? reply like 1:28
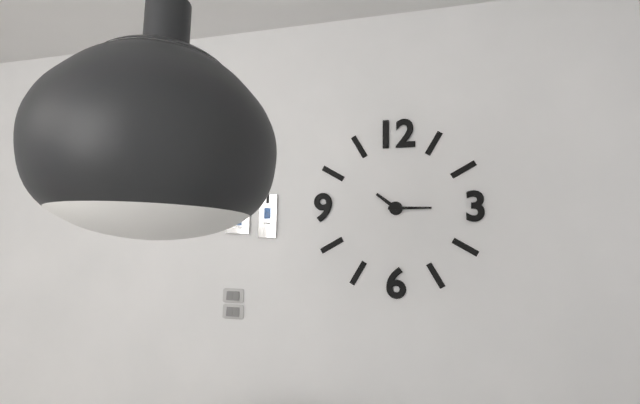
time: 10:15
